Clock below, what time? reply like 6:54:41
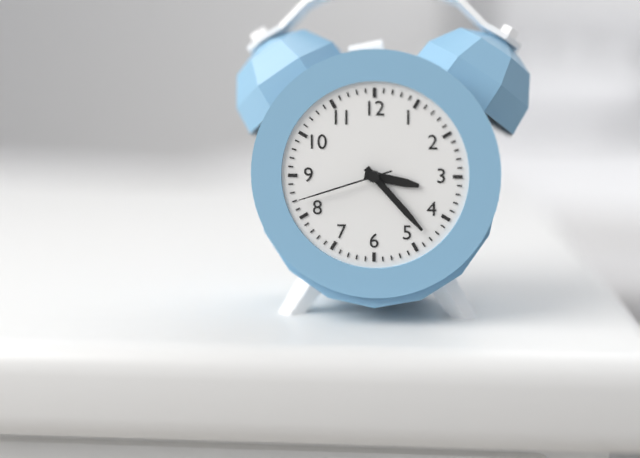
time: 3:23:42
